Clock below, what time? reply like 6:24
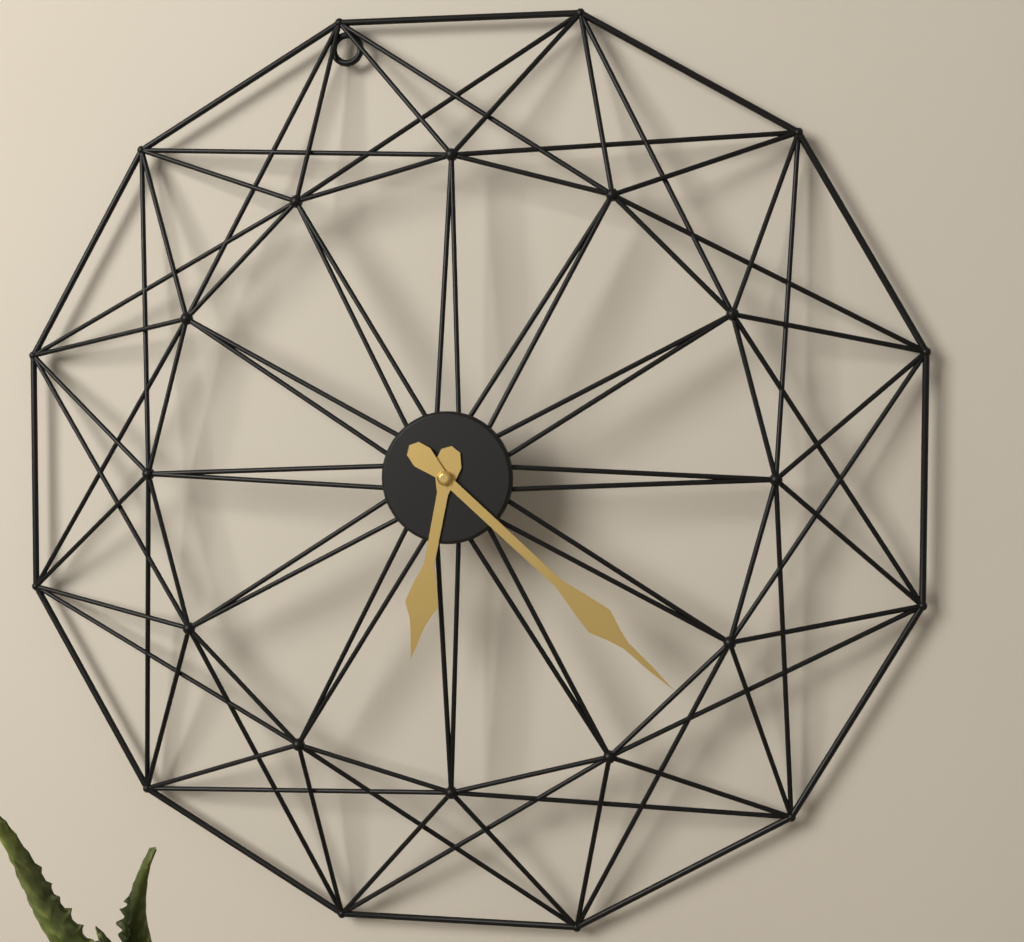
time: 6:22
